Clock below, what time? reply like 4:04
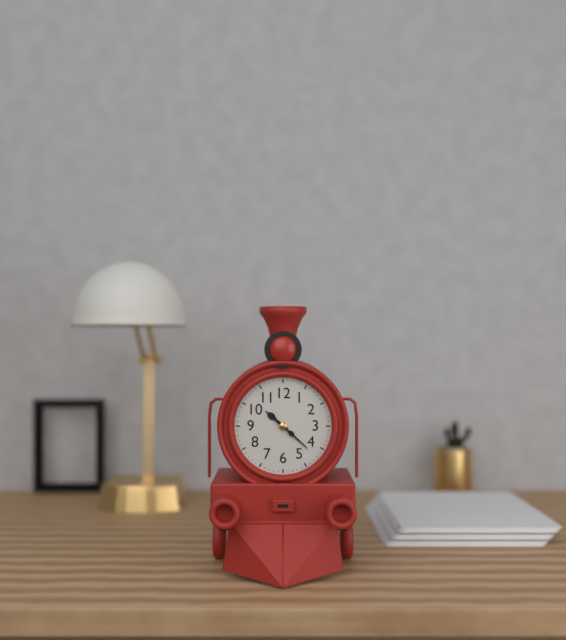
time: 10:22
